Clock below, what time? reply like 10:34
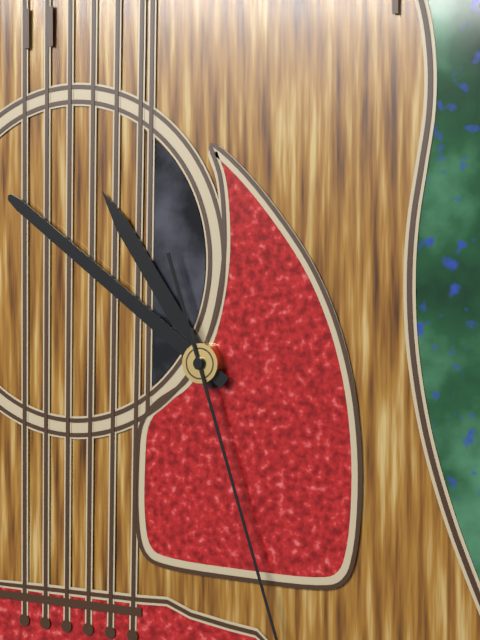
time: 10:51
